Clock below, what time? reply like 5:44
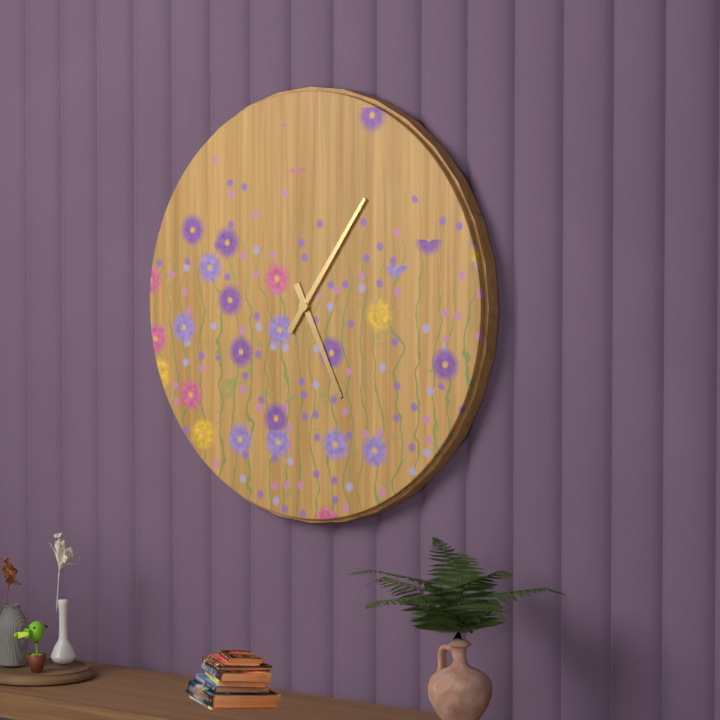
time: 5:06
